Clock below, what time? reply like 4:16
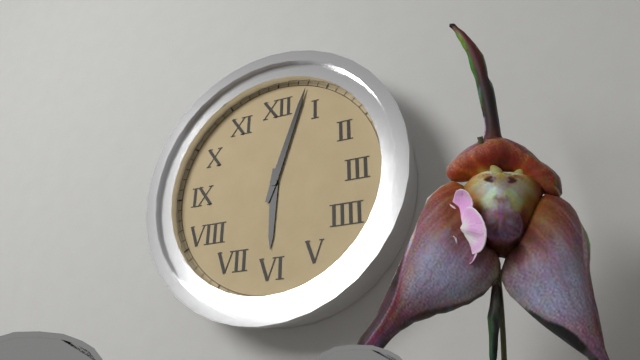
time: 6:03
